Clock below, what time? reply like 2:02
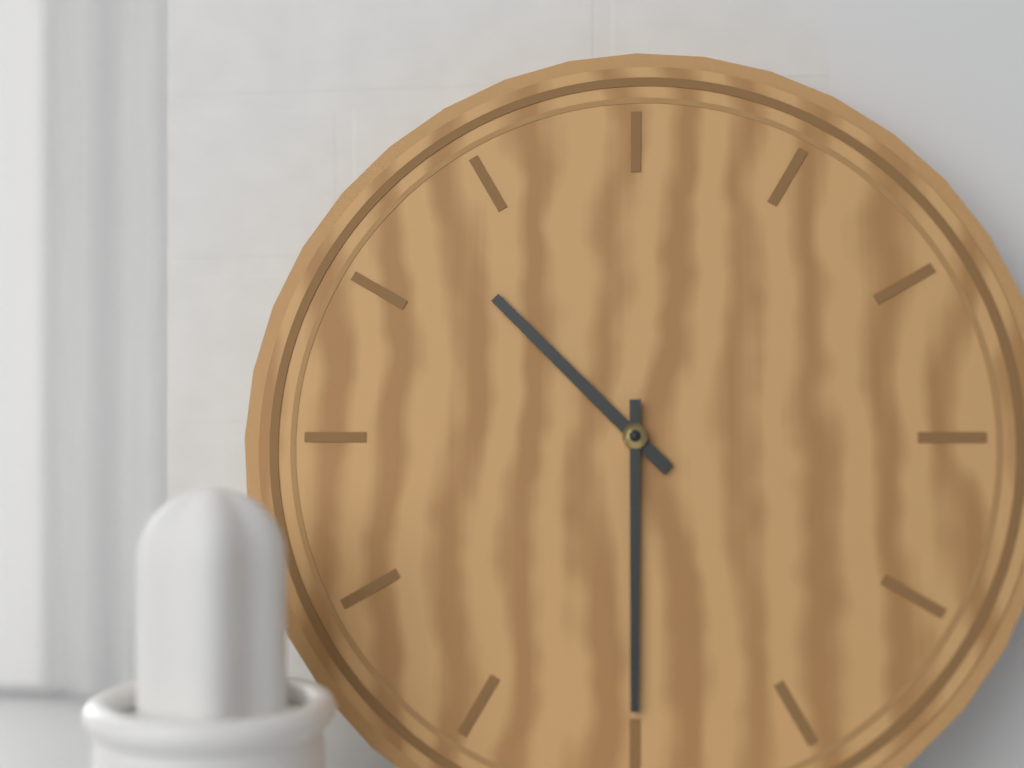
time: 10:30
